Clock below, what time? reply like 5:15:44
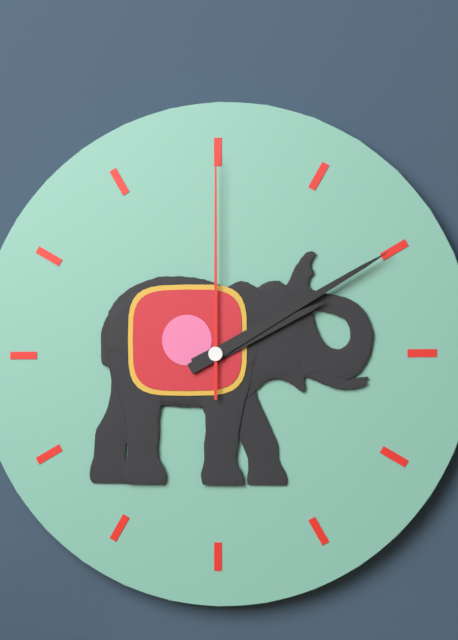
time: 2:10:00
